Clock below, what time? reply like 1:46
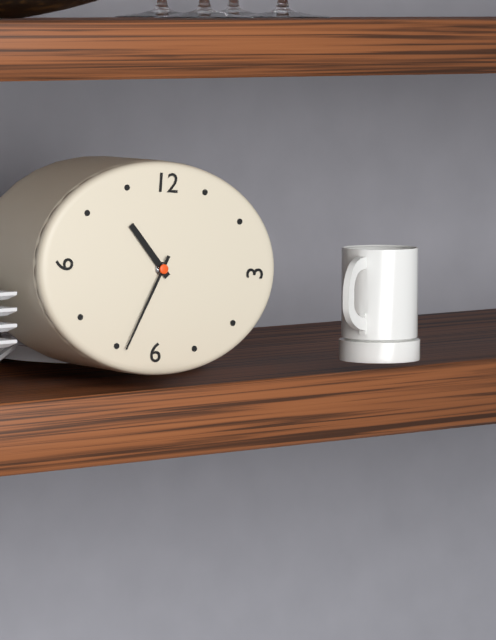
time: 10:34
